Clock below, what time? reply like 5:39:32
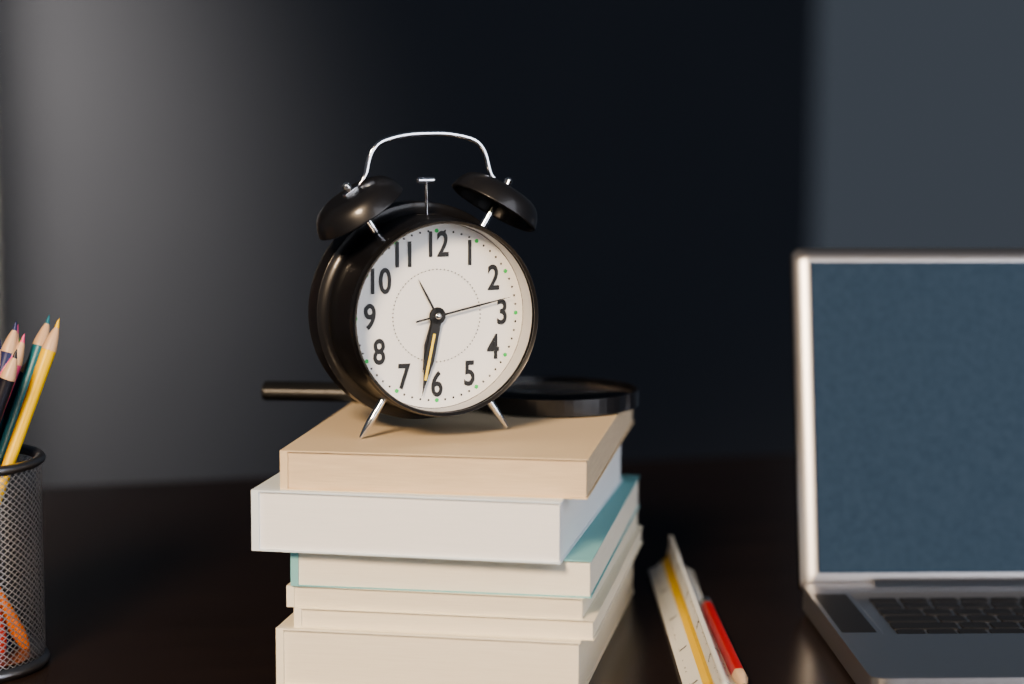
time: 6:32:13
